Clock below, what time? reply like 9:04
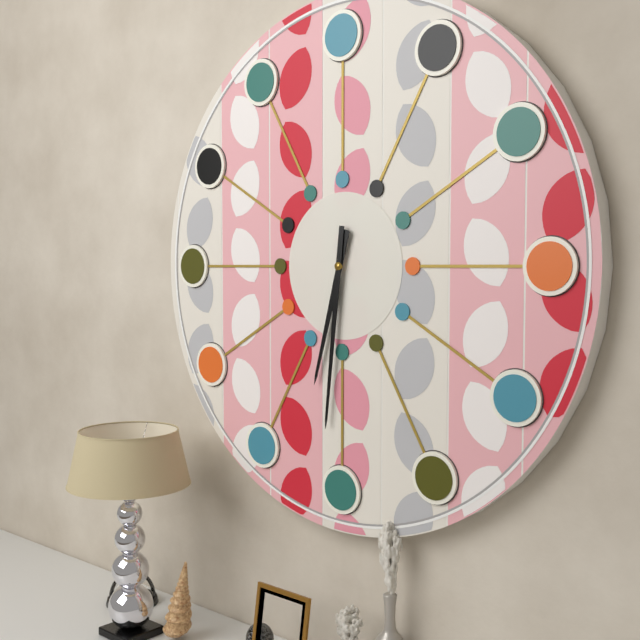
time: 6:31
